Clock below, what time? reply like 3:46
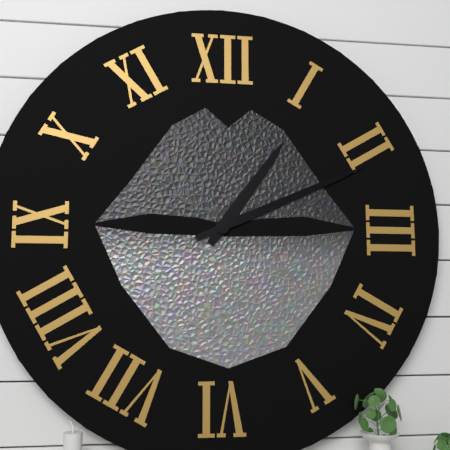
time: 1:11
